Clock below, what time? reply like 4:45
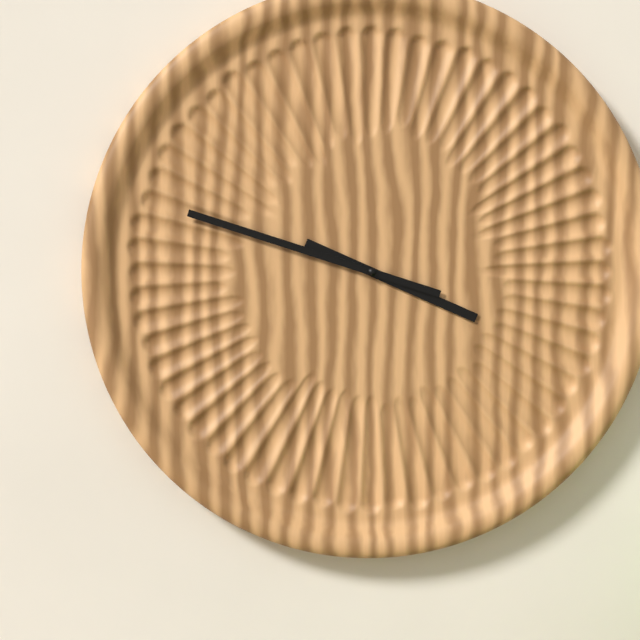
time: 3:48
